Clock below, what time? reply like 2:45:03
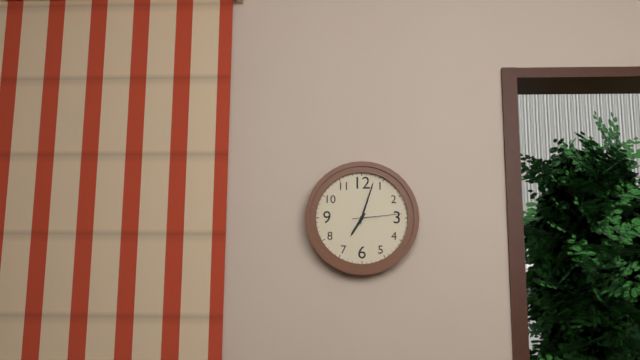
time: 7:03:14
